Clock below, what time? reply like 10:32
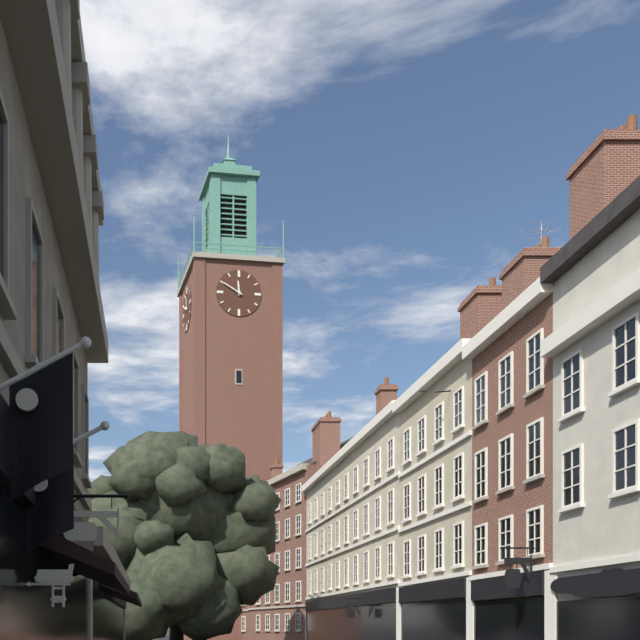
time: 11:50
